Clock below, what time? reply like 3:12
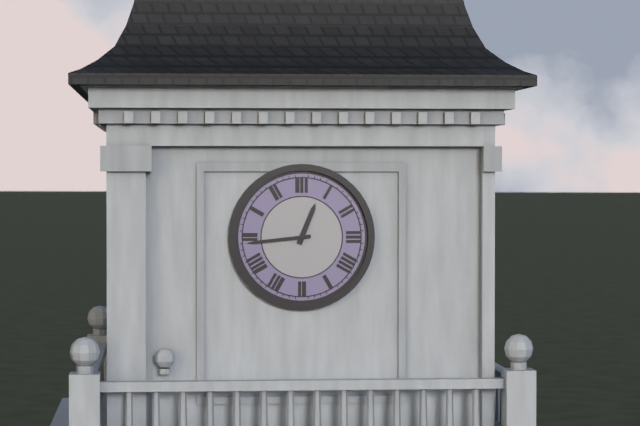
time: 12:44
